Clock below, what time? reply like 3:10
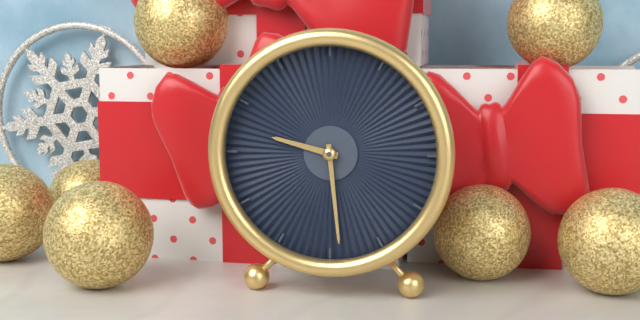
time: 9:29
